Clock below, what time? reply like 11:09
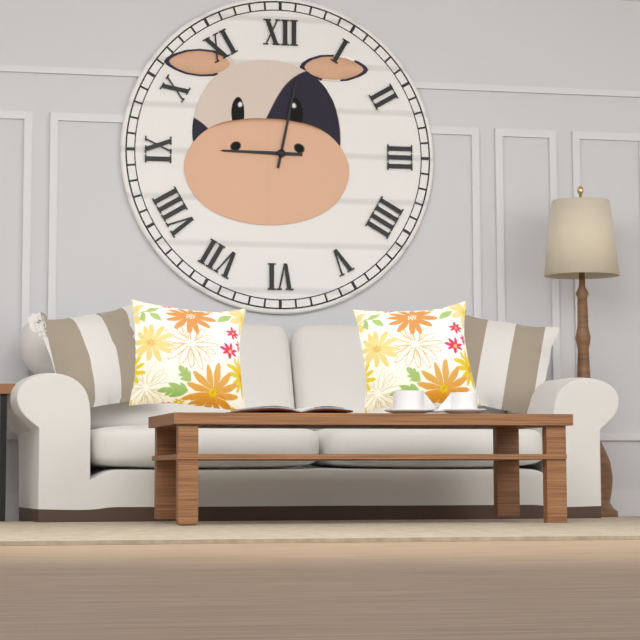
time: 9:02
